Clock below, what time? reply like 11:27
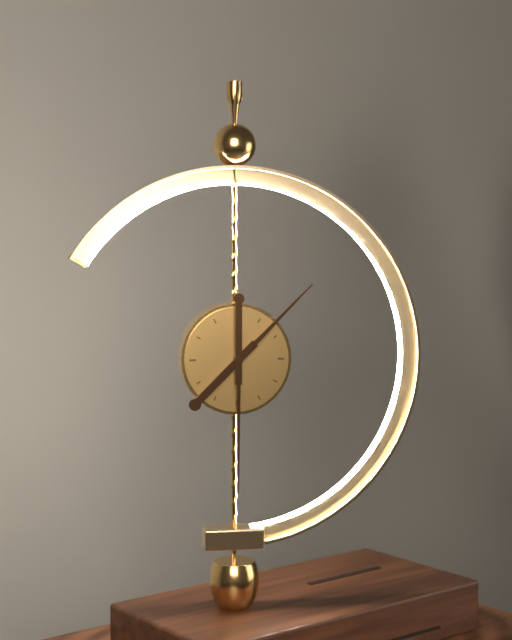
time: 1:30
